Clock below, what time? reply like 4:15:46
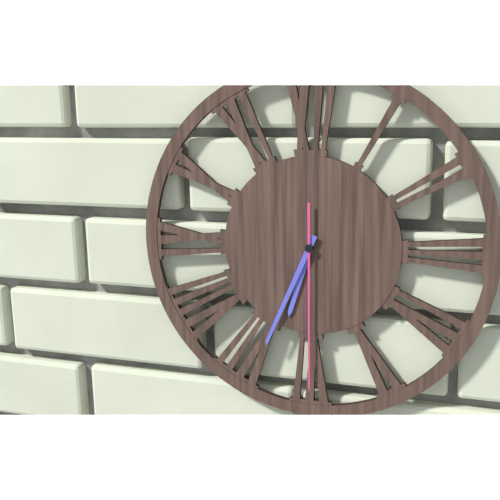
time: 6:34:30
